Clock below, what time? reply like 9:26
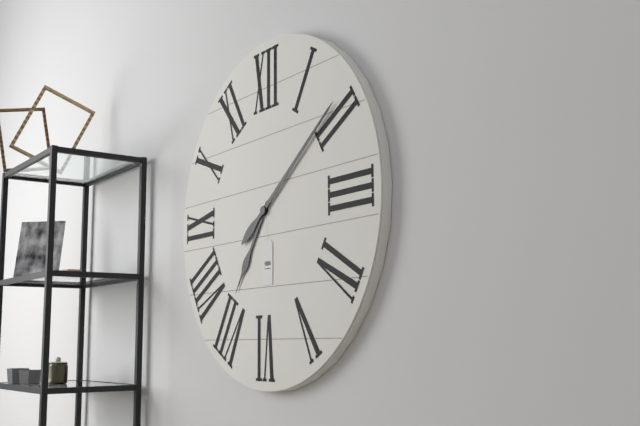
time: 7:09
